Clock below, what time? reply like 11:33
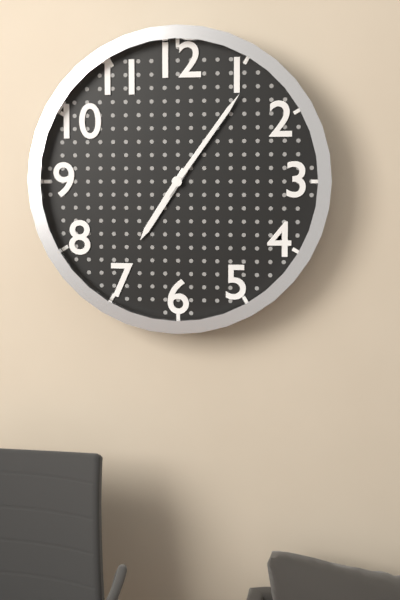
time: 7:06
